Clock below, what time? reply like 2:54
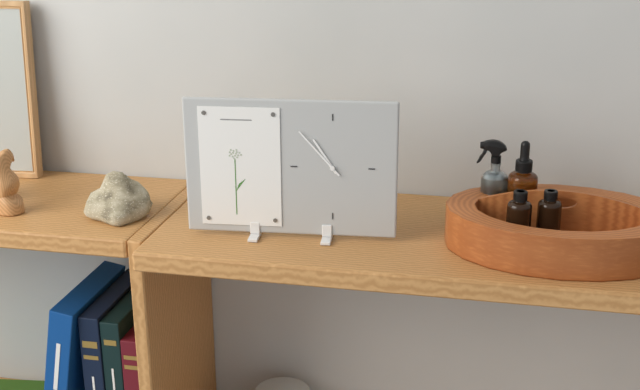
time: 10:53
